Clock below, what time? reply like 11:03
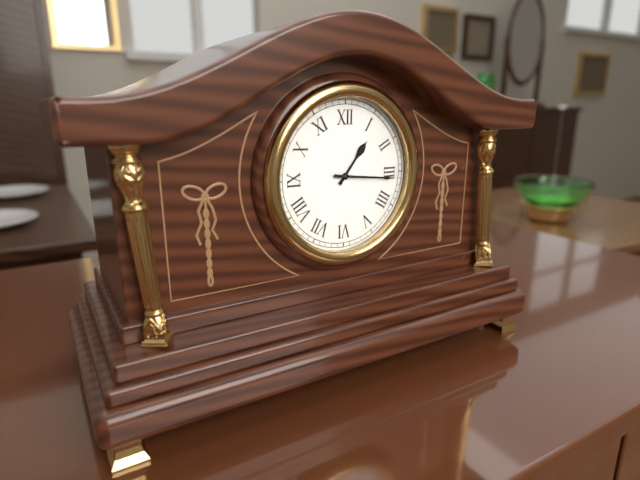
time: 1:16
